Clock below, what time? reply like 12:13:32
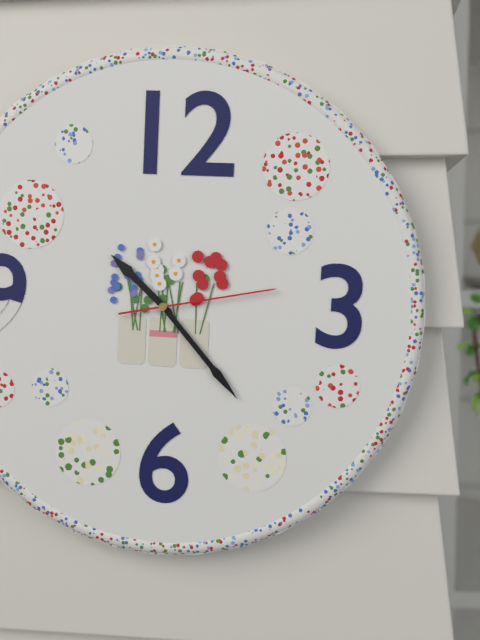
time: 10:23:13
